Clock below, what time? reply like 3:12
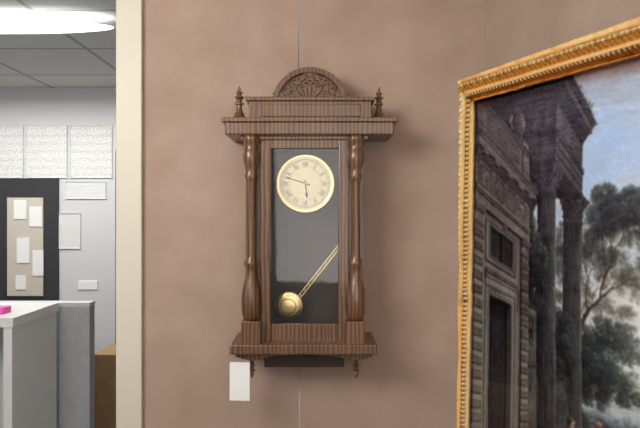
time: 5:48
